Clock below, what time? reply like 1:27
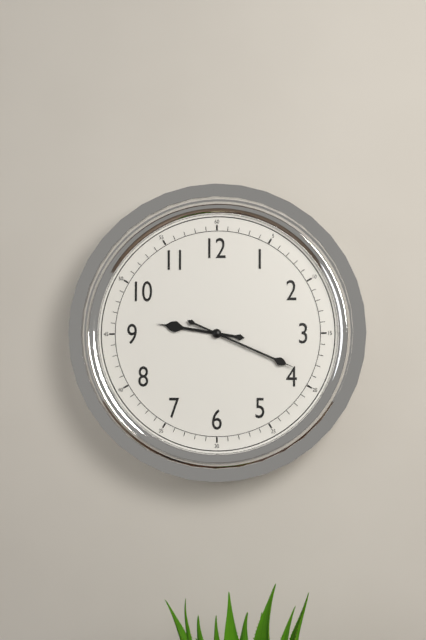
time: 9:19
